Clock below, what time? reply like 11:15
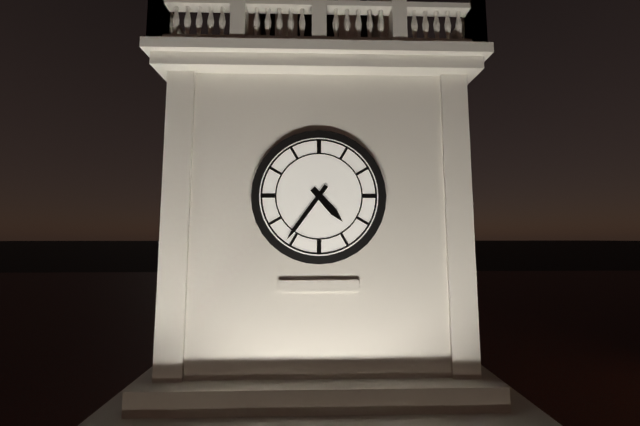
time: 4:36
